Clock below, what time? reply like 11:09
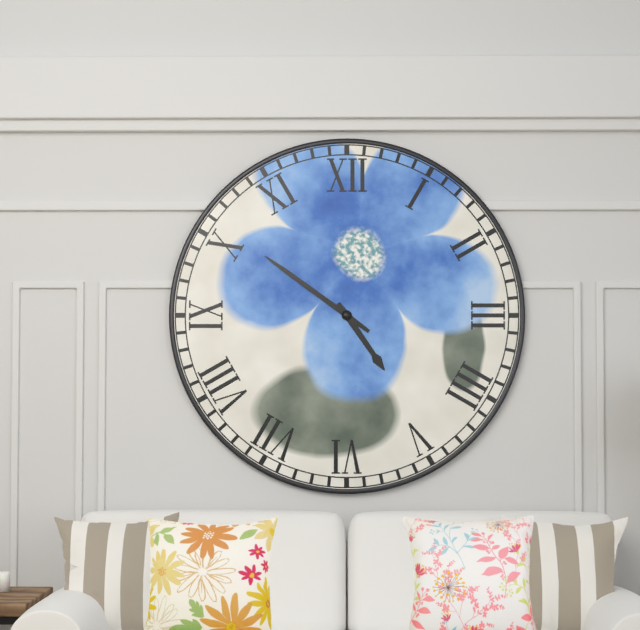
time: 4:51
